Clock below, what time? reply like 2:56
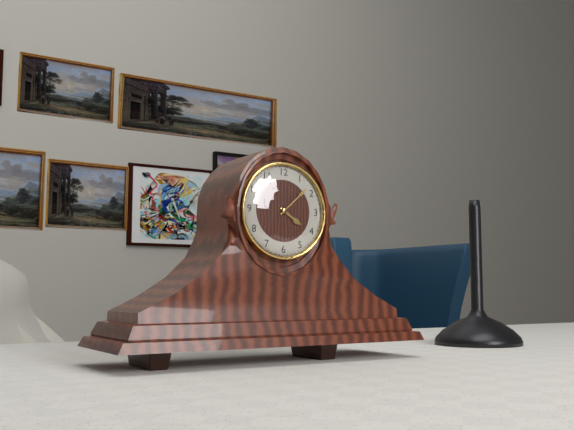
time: 4:08
